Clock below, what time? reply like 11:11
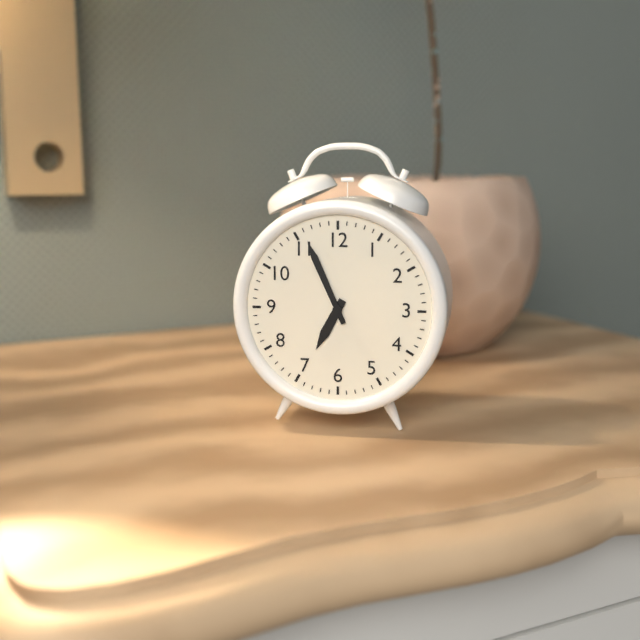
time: 6:56
